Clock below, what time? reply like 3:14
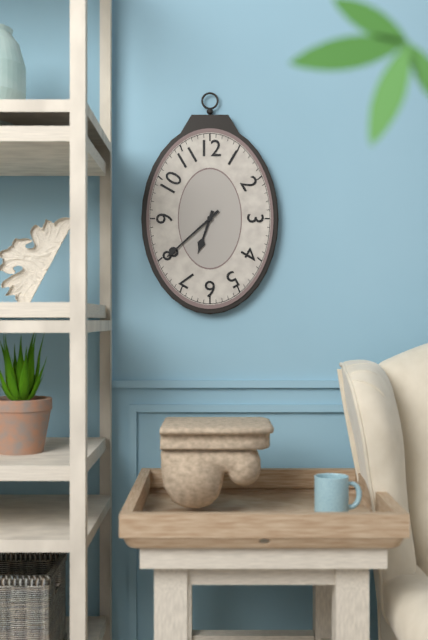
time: 6:38
